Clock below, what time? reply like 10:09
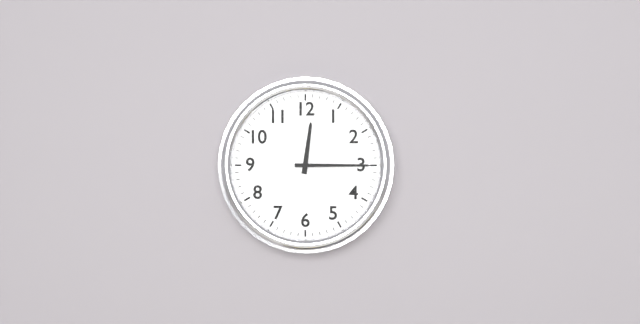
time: 12:15
